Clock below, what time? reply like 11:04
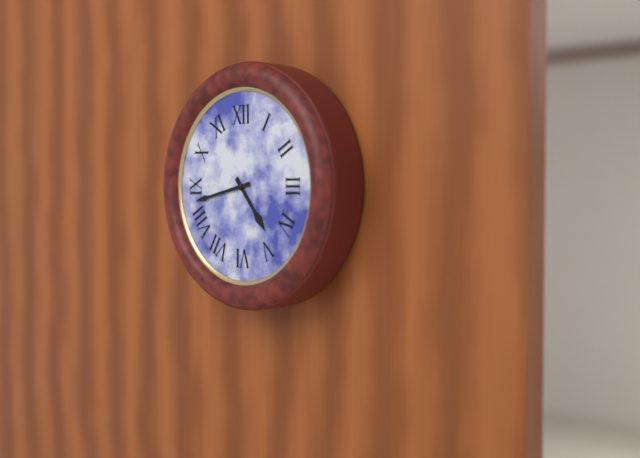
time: 4:43
